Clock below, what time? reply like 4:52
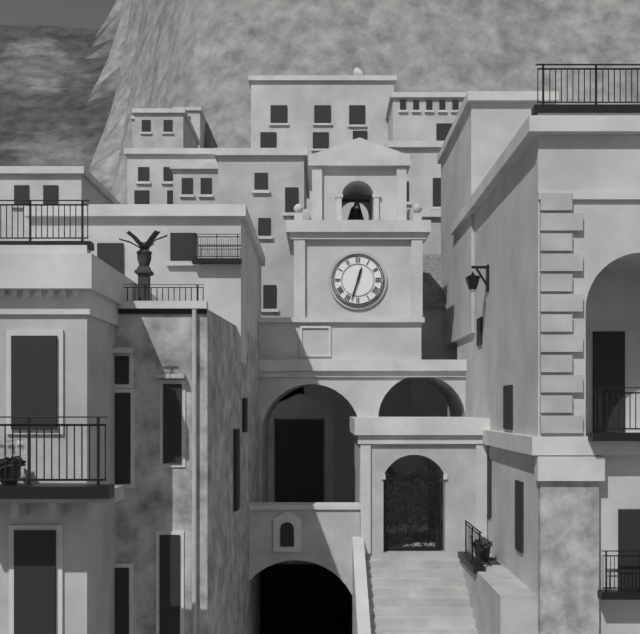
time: 12:33
